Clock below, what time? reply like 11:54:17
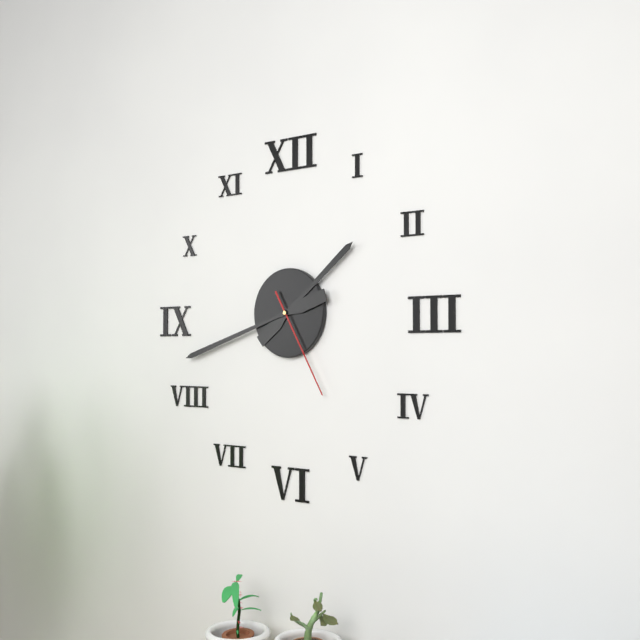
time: 1:42:25
